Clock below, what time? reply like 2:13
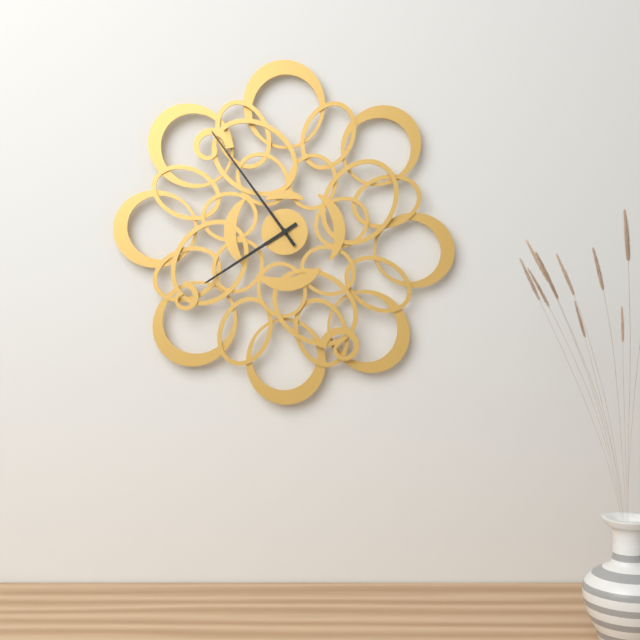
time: 7:54
